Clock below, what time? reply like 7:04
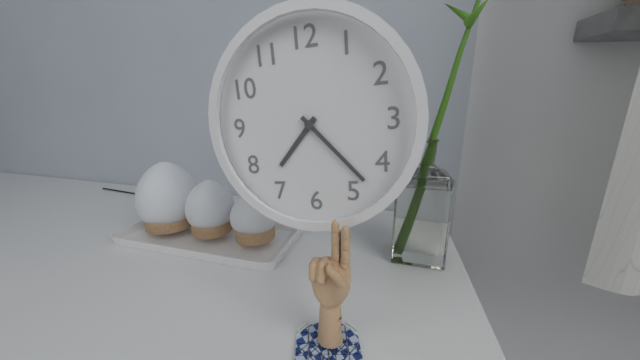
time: 7:23
